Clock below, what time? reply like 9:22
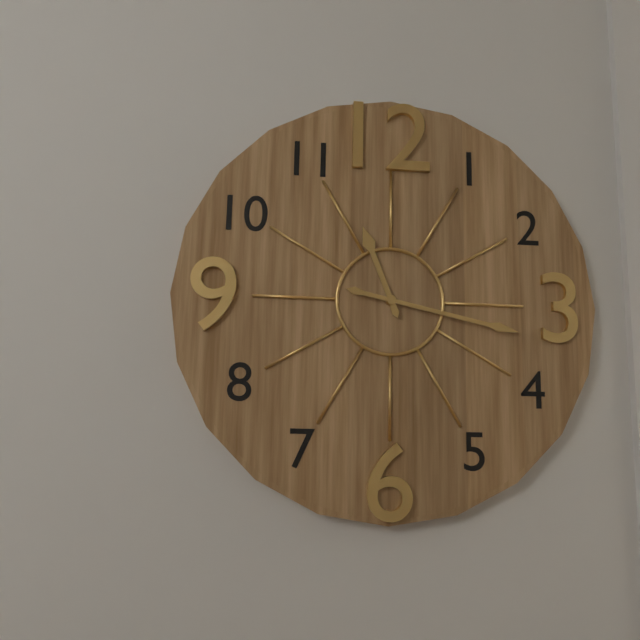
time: 11:17
